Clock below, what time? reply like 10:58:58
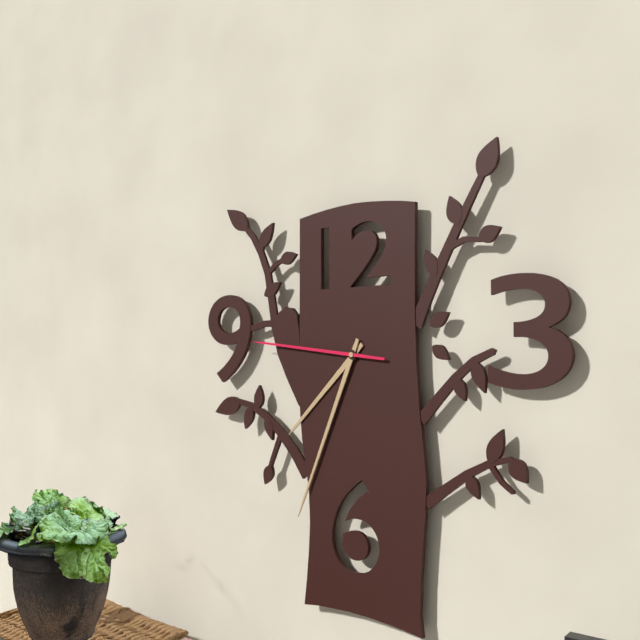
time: 7:34:46
